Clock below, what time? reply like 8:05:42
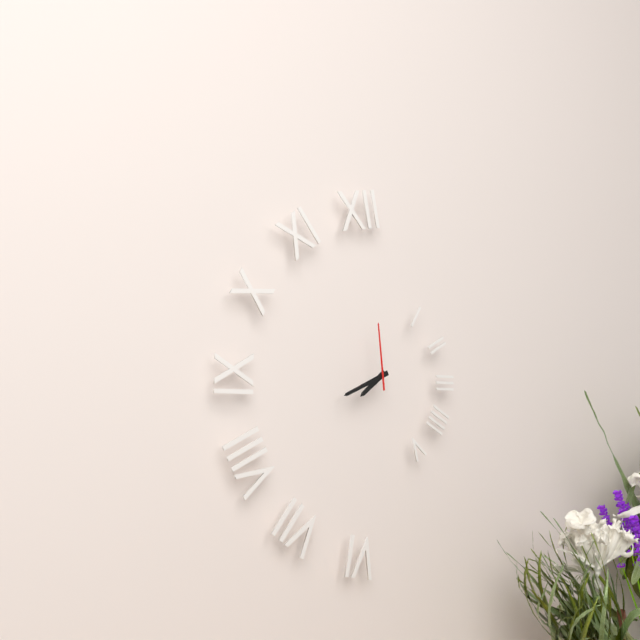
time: 7:41:59
